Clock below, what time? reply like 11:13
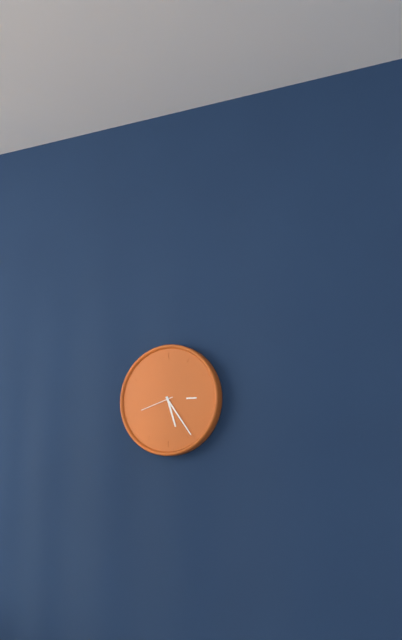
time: 5:24
